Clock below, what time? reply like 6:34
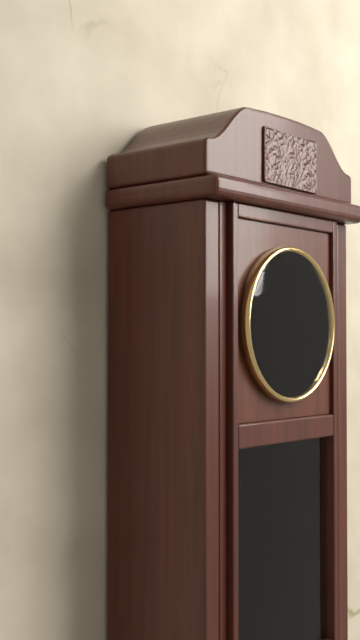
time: 12:18
